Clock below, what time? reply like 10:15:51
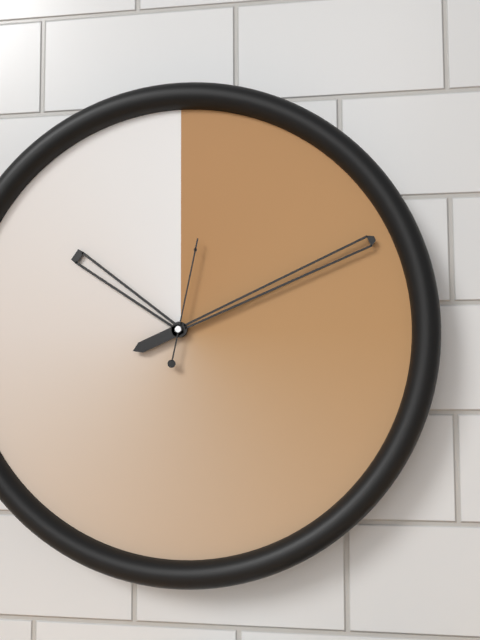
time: 10:11:02
